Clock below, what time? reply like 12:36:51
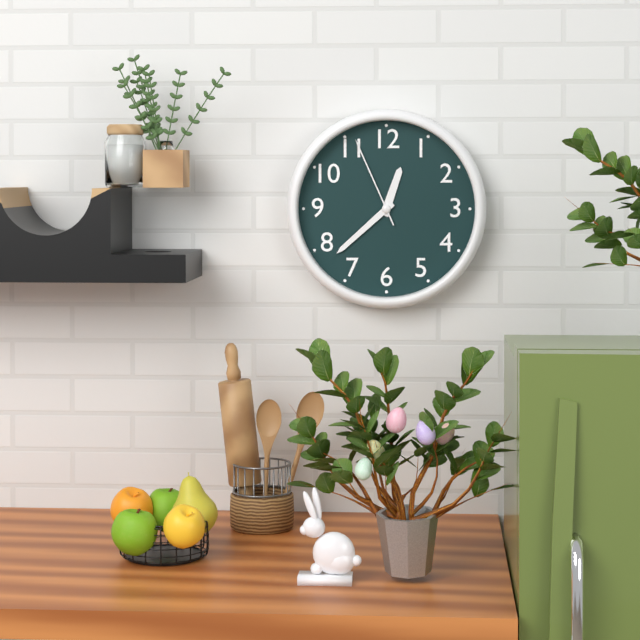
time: 12:38:56
